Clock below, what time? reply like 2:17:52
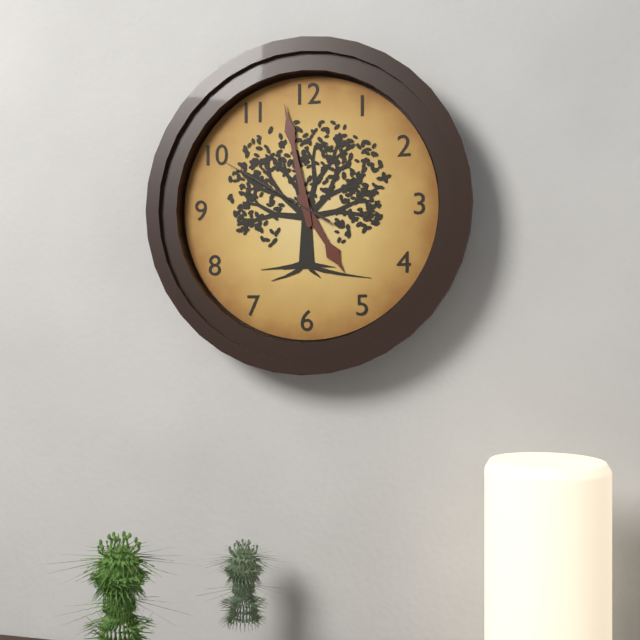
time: 4:58:50
